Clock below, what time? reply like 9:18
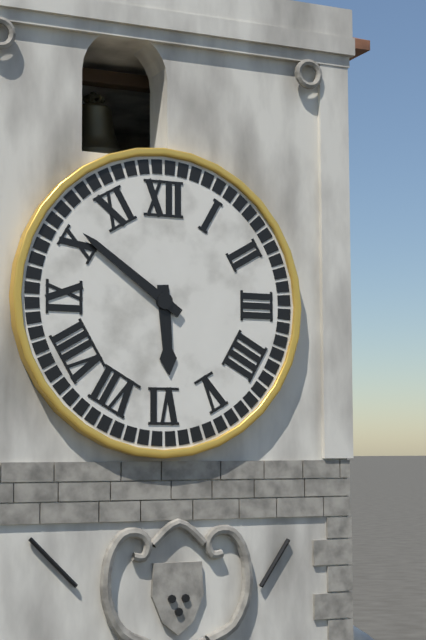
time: 5:51
